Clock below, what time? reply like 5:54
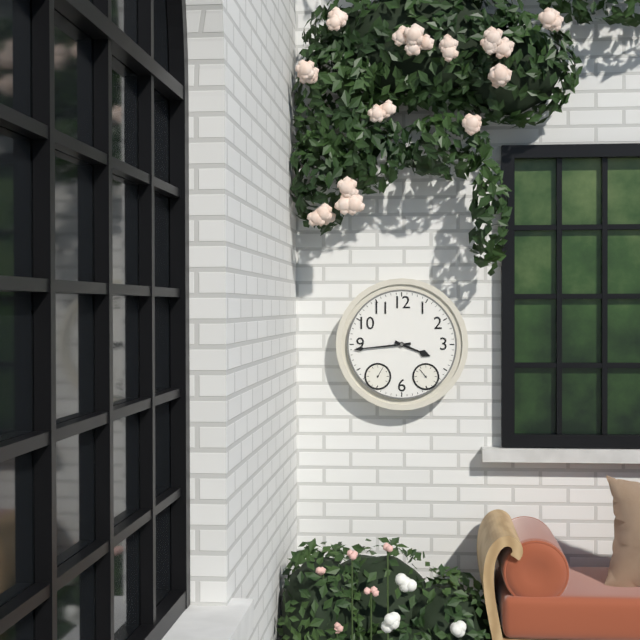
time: 3:44
